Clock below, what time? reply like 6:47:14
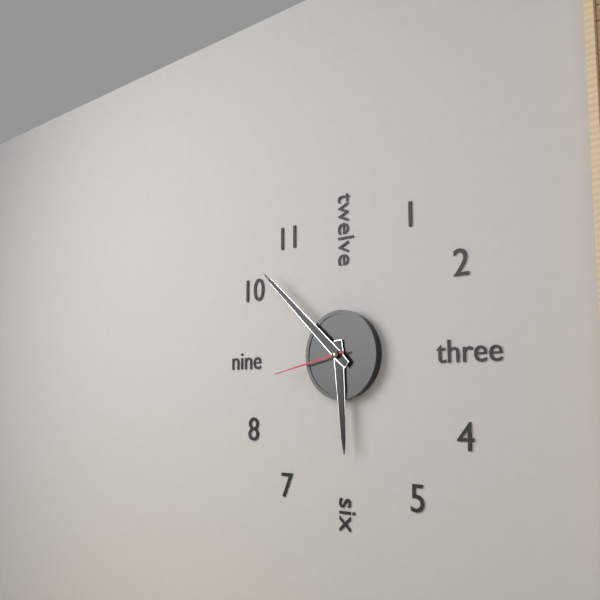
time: 5:52:43
